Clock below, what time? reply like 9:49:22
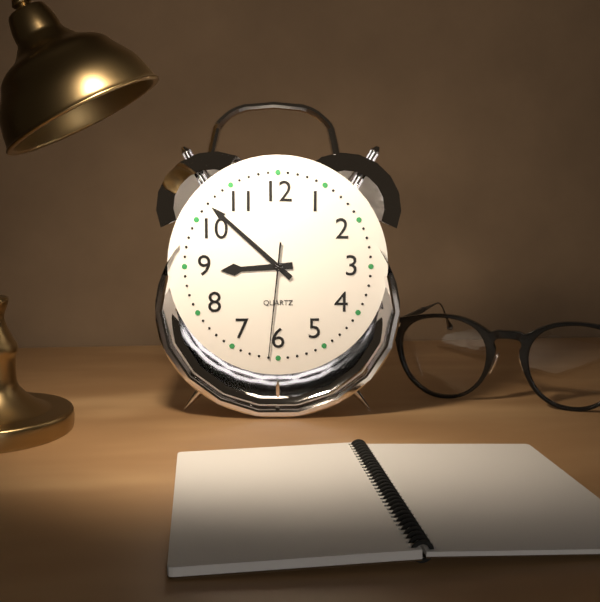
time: 8:52:31
